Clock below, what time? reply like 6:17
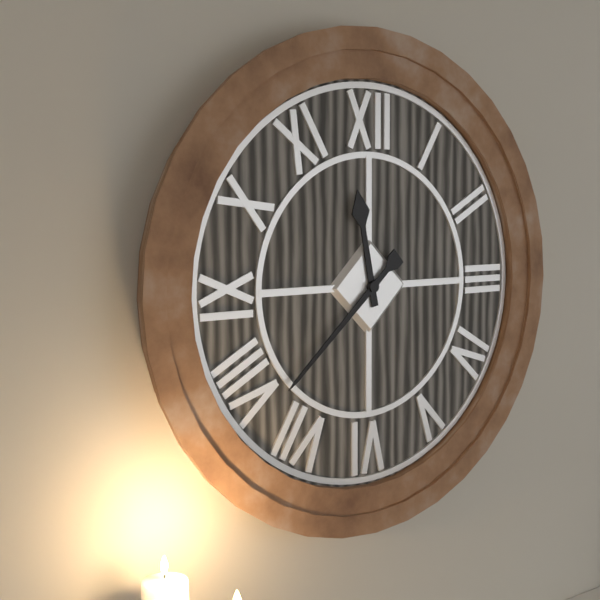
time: 11:38
